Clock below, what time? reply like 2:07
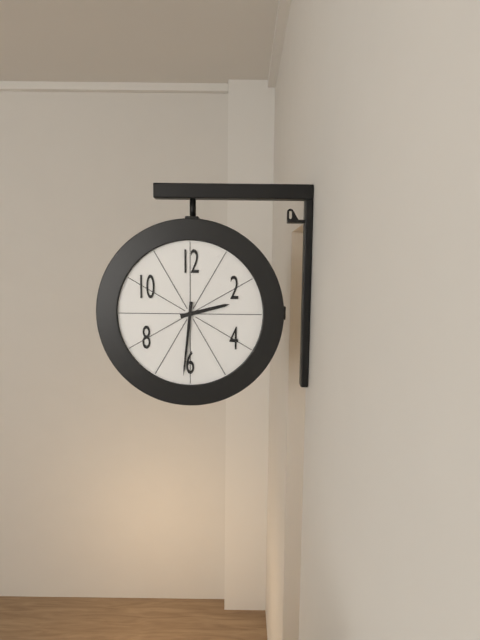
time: 2:31
